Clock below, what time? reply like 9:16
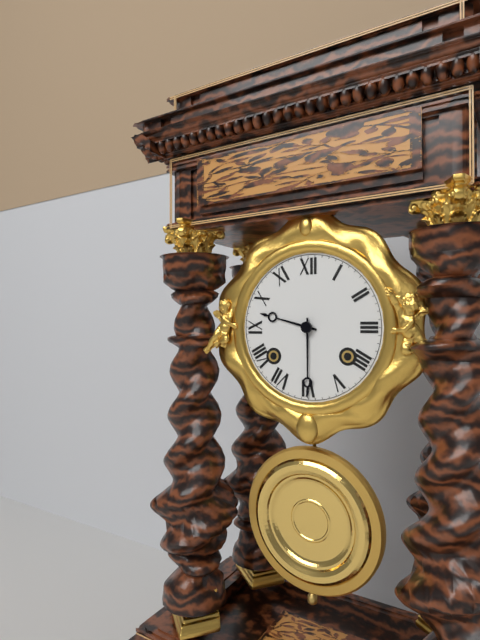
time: 9:30
